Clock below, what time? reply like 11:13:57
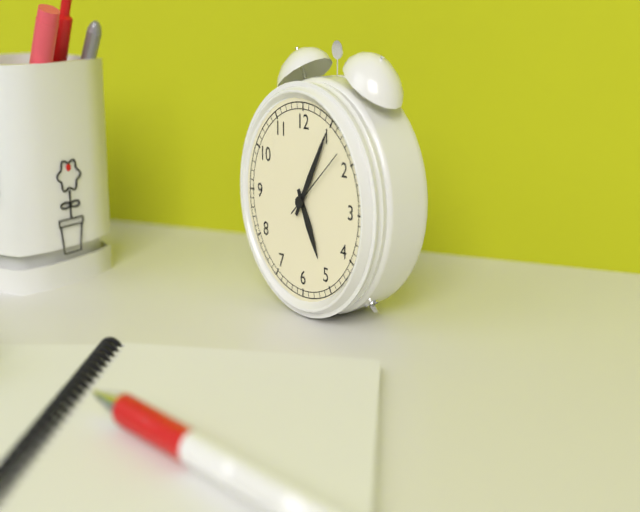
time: 5:05:08
